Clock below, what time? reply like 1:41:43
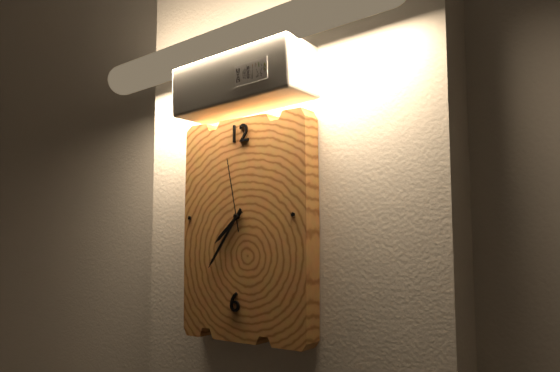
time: 7:36:58
